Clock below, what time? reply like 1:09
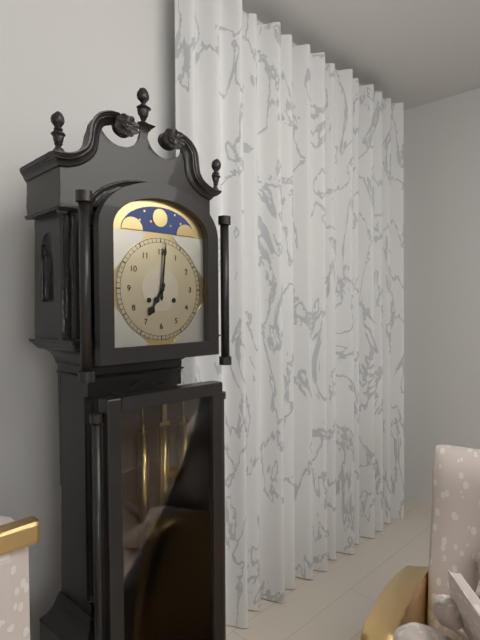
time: 7:01
